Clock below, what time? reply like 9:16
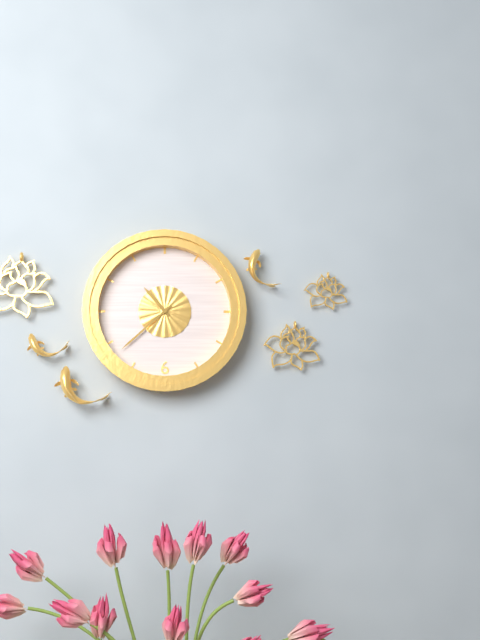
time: 10:38
